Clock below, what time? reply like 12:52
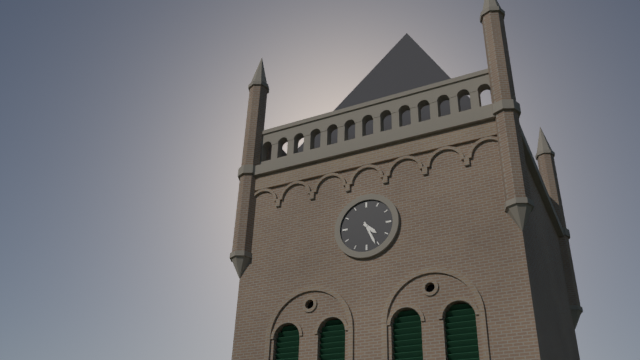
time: 4:26
